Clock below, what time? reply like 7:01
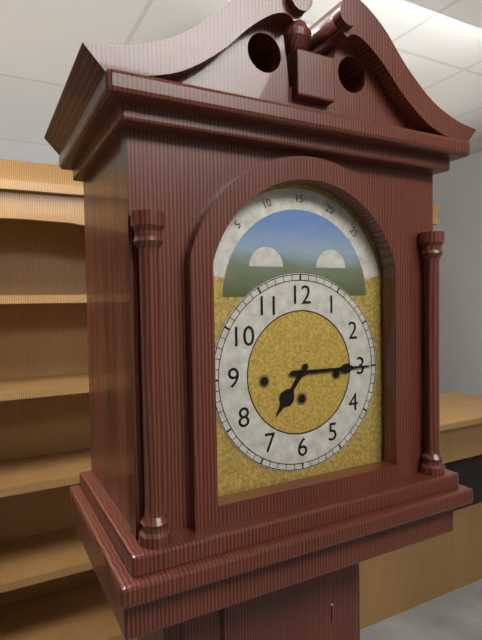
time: 7:15
